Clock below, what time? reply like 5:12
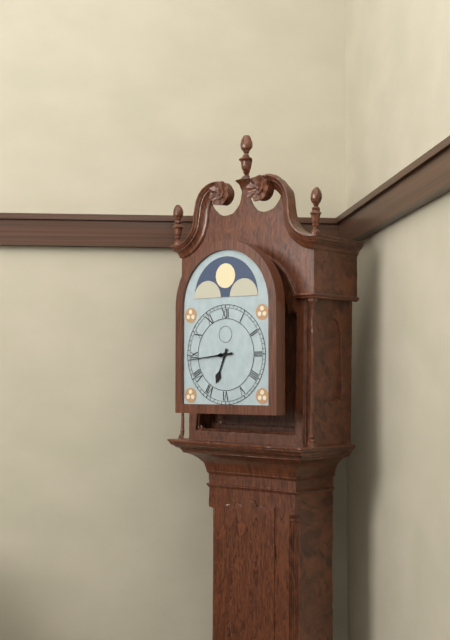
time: 6:44
